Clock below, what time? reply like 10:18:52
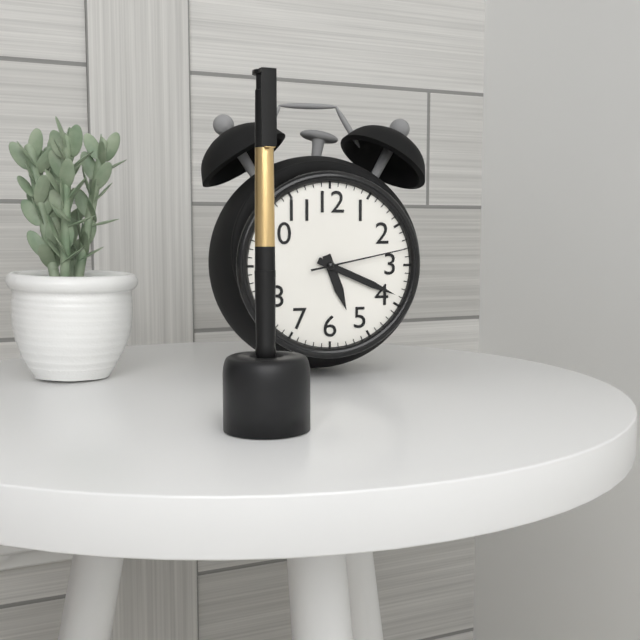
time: 5:19:13
